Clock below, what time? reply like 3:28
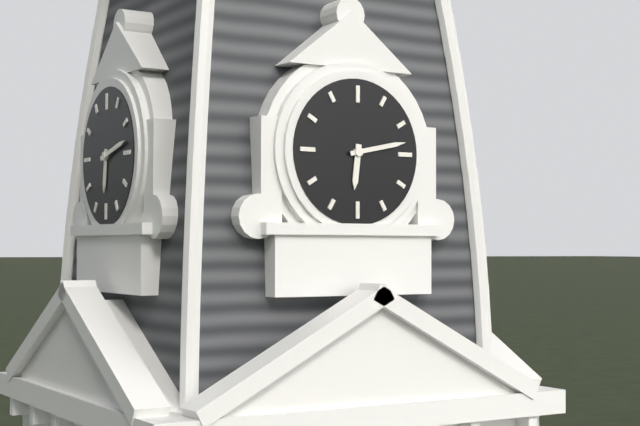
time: 6:13
